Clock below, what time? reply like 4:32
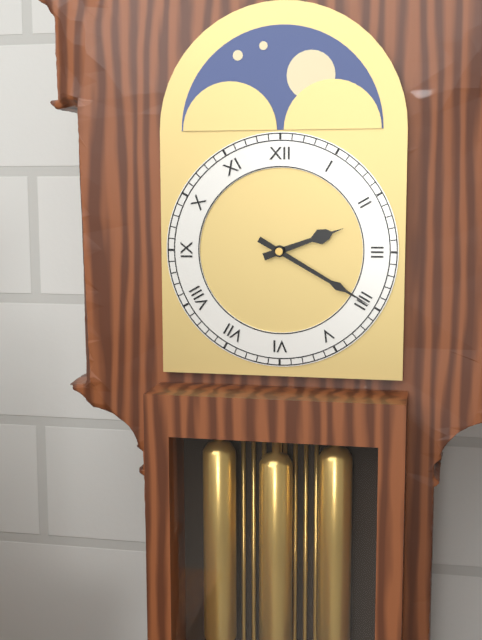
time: 2:20
